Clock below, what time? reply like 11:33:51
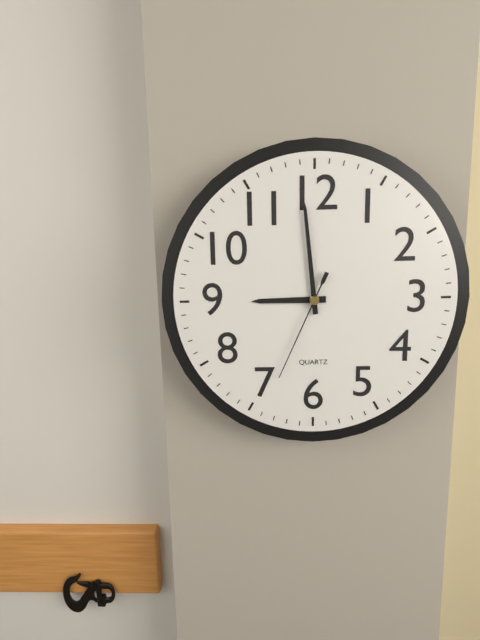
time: 8:59:34
